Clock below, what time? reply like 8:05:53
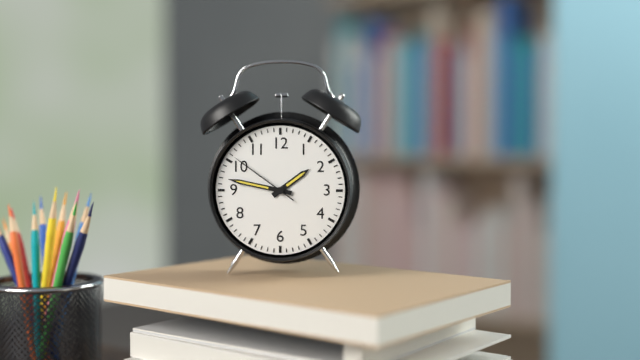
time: 1:47:51
